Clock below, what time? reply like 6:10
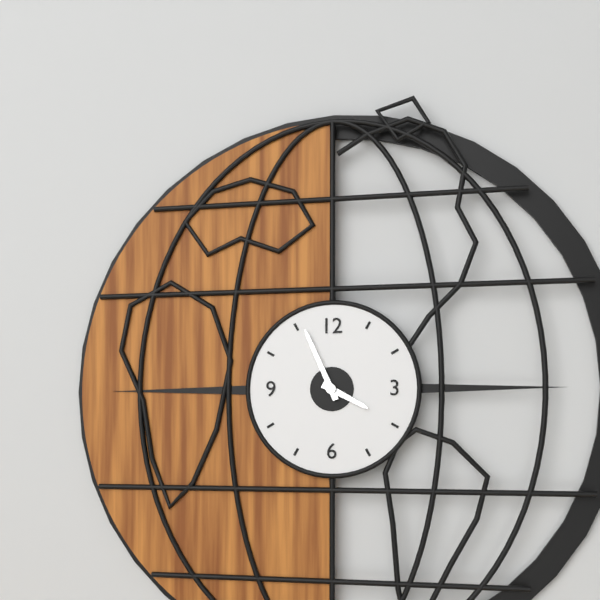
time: 3:56
